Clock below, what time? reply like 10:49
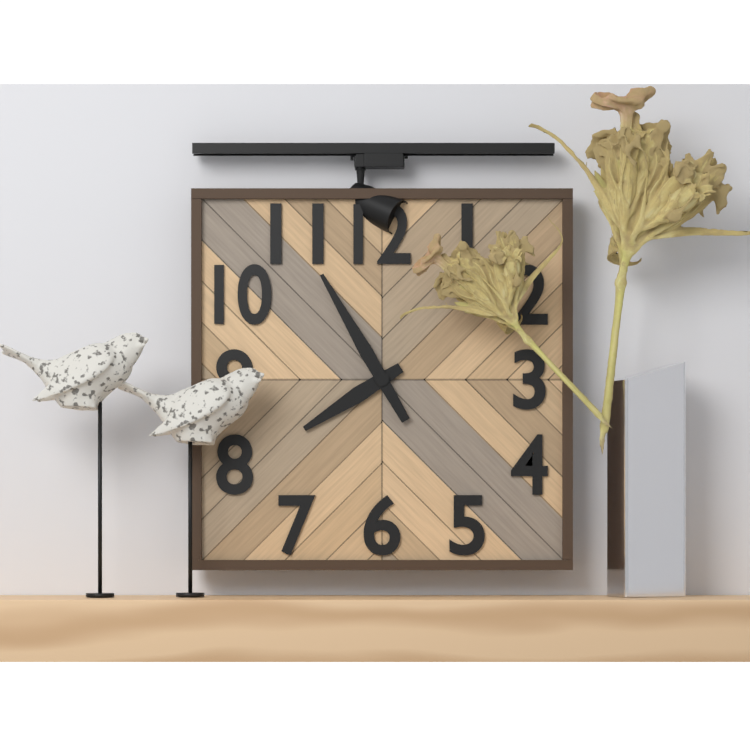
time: 7:55
